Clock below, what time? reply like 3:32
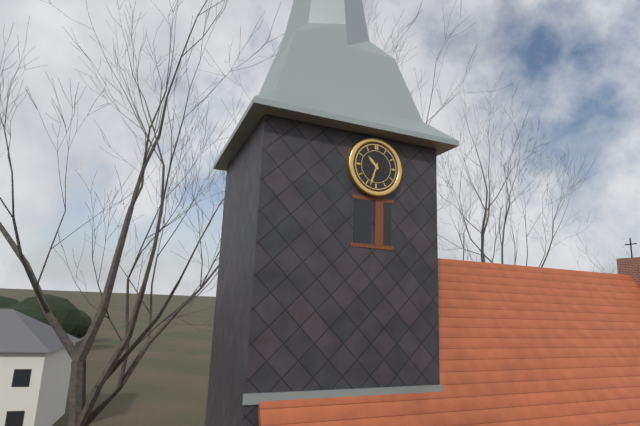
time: 10:33
